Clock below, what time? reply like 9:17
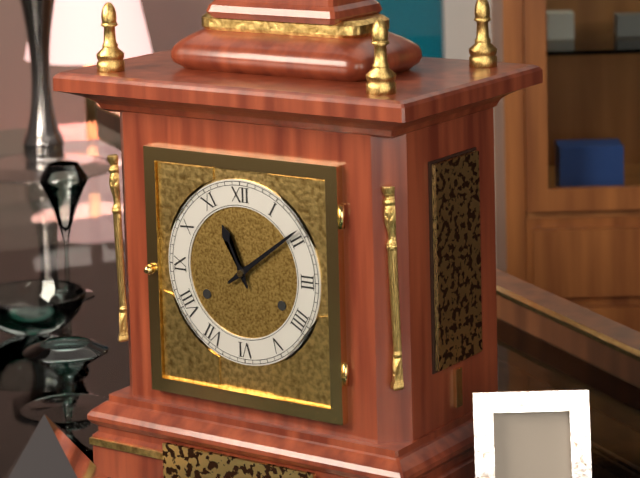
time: 11:09
